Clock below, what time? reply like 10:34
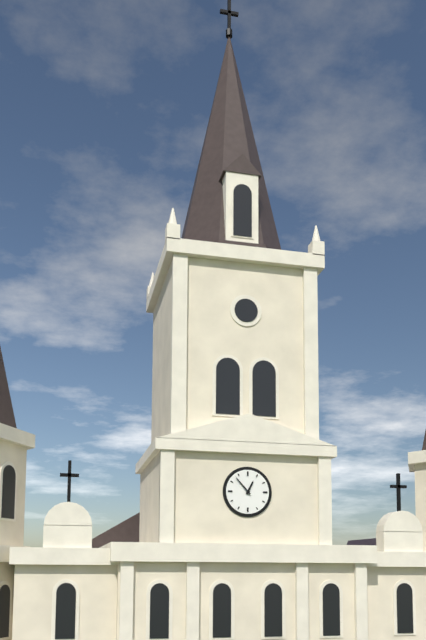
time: 12:53
